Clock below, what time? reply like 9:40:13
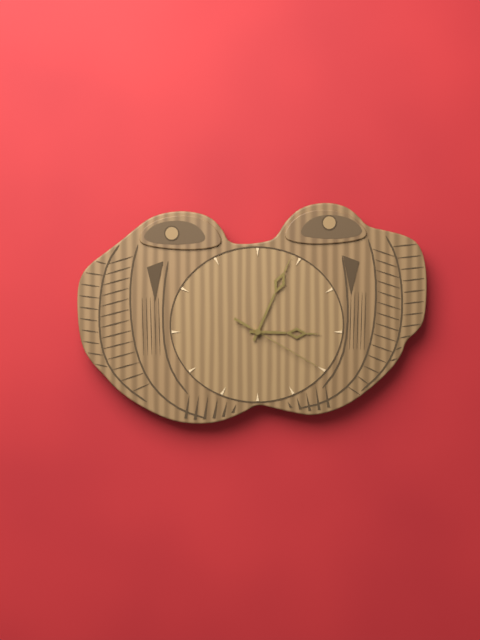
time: 3:04:20
